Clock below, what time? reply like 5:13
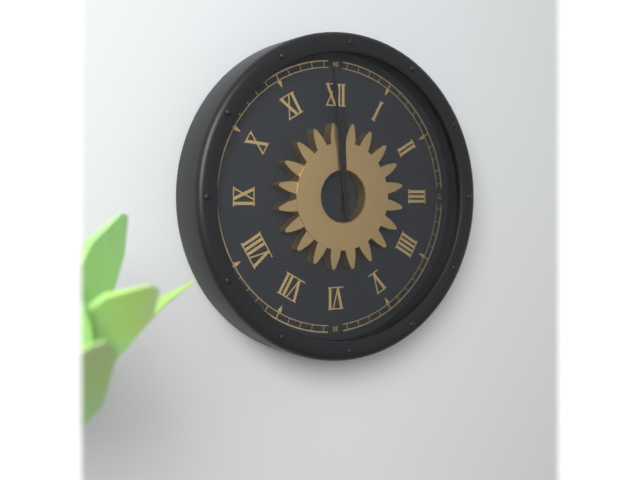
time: 11:59
